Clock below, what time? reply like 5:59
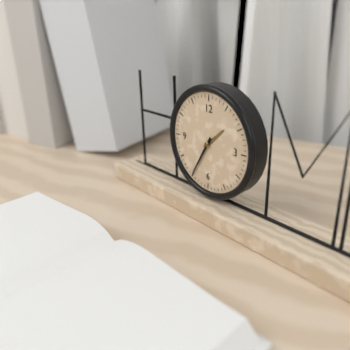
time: 1:35
